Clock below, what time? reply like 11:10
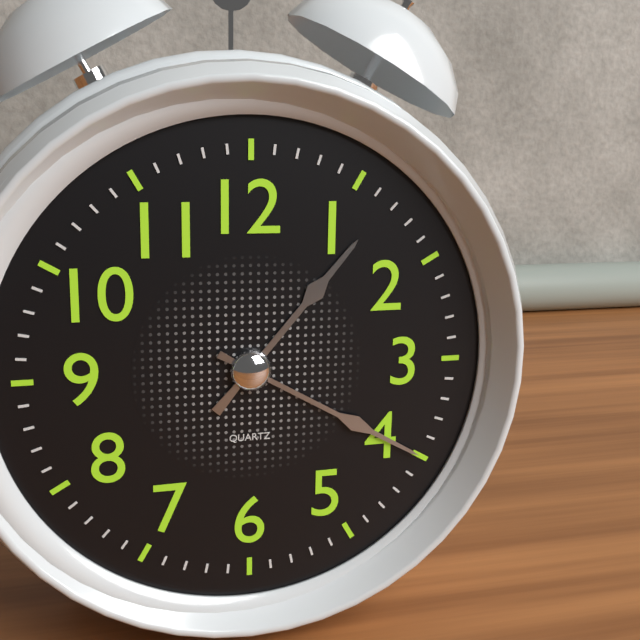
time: 1:20
